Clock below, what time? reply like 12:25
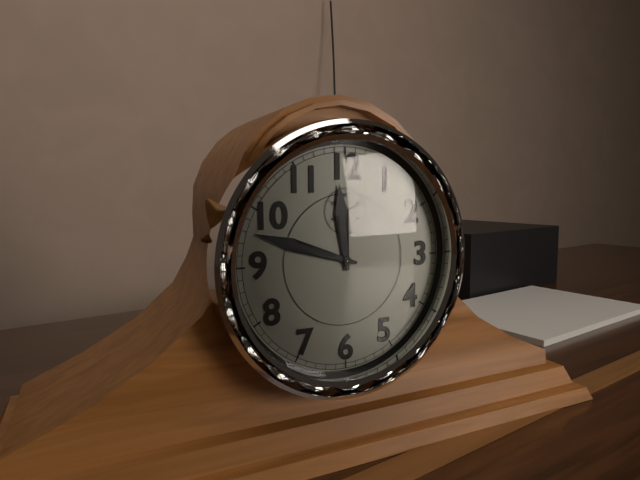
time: 11:48
